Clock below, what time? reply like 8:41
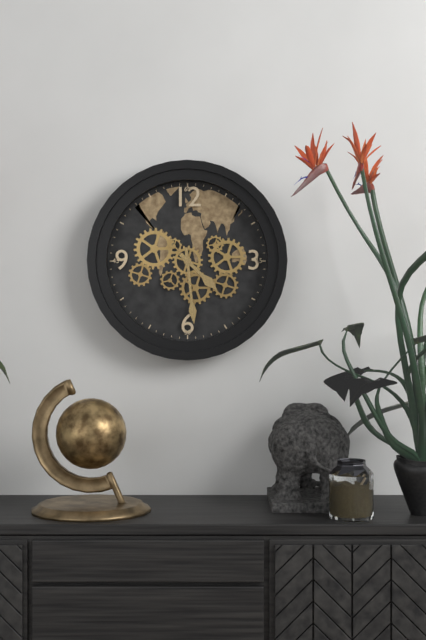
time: 4:29
